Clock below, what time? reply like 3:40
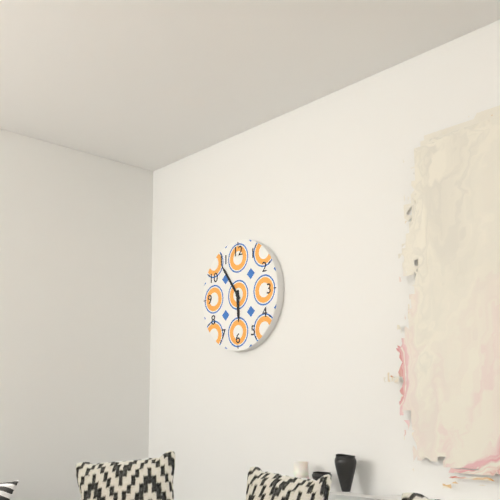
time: 5:54
